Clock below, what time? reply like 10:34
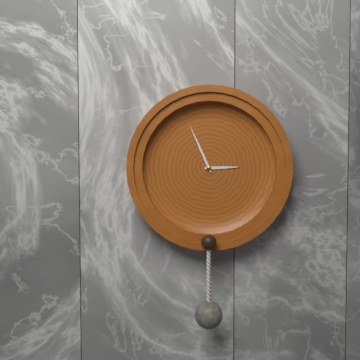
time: 2:56
